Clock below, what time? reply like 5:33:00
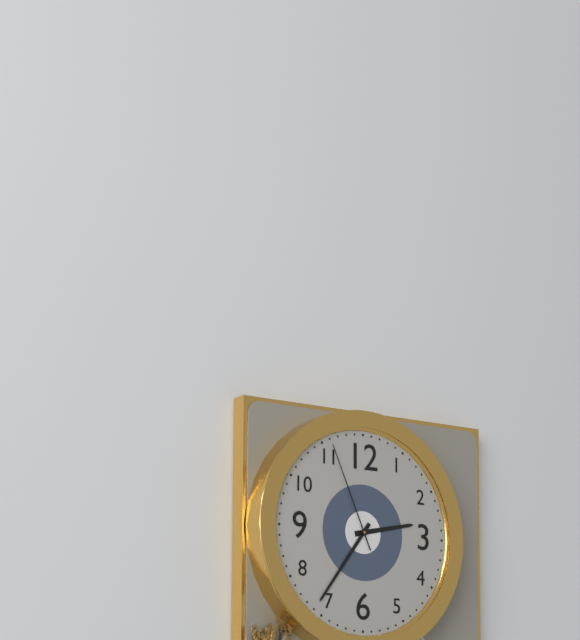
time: 2:36:56
